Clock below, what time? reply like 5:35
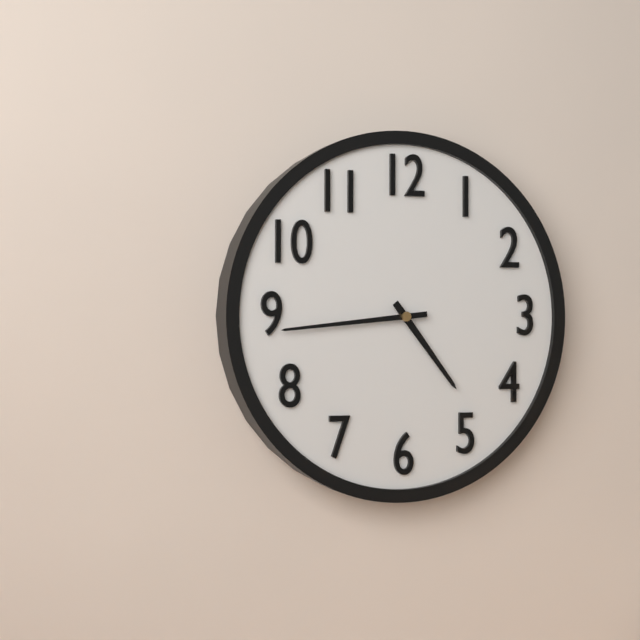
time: 4:44
